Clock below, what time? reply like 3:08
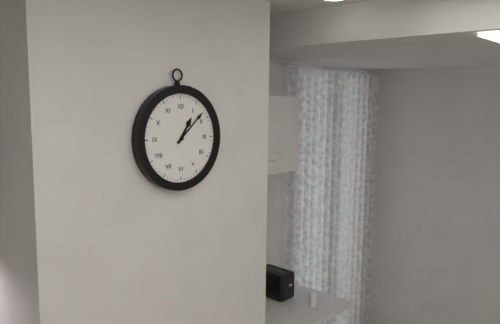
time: 1:08
